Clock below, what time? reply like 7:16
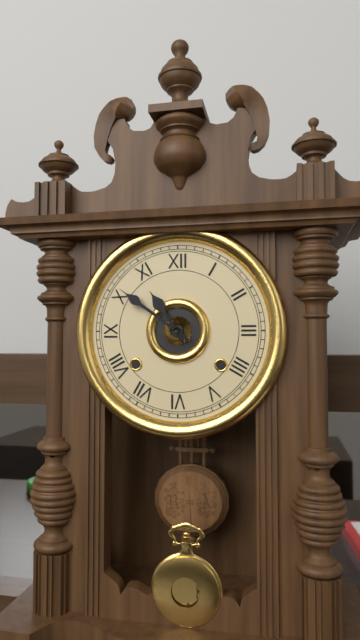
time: 10:51
